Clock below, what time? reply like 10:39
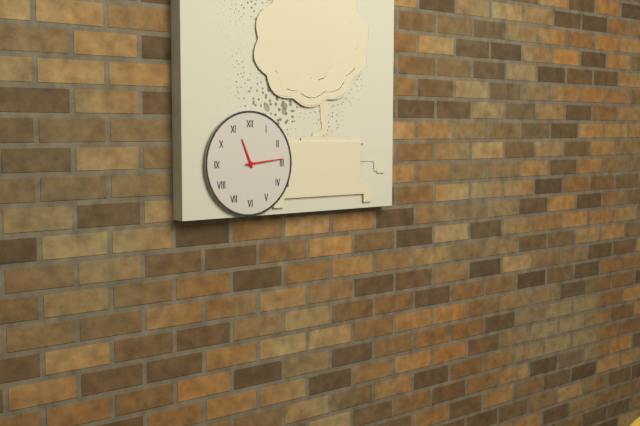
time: 11:14
